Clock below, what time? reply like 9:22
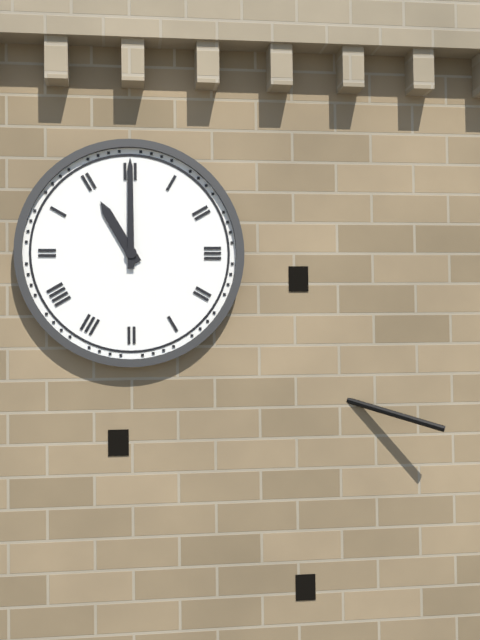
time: 11:00
